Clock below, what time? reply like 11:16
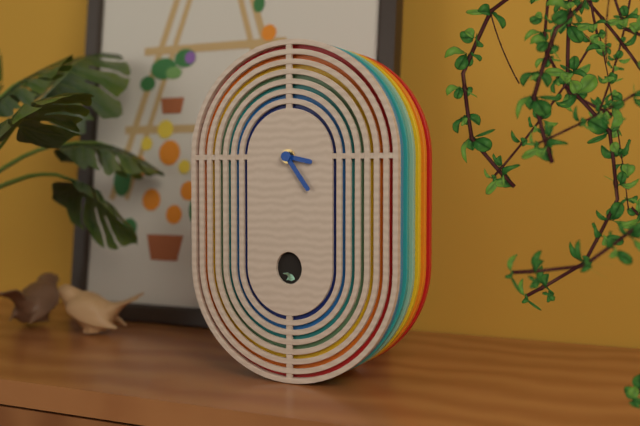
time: 3:24
